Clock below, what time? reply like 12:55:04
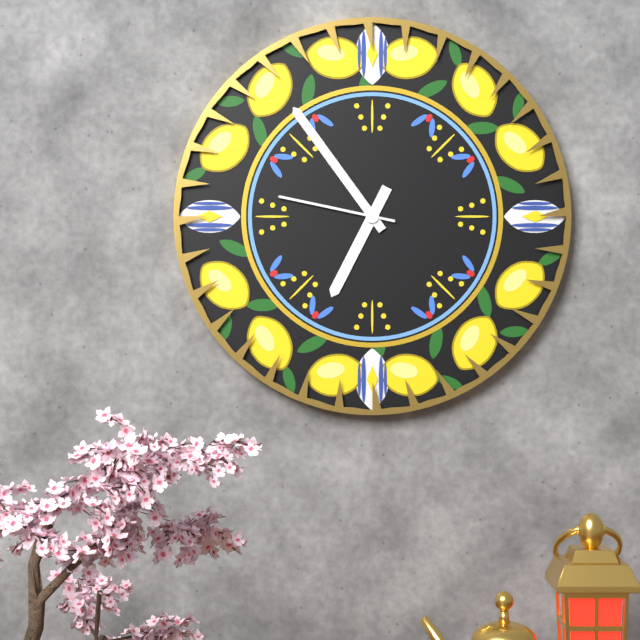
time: 6:54:47
